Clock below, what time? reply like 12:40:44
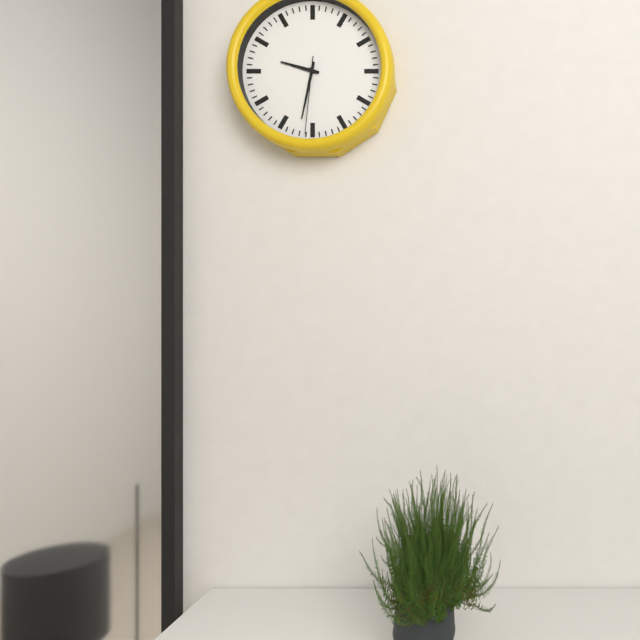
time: 9:32:31
